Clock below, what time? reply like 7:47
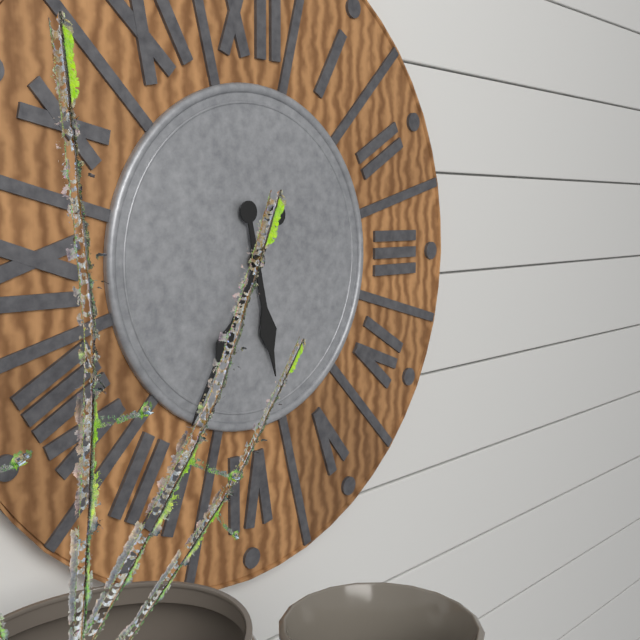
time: 5:35
